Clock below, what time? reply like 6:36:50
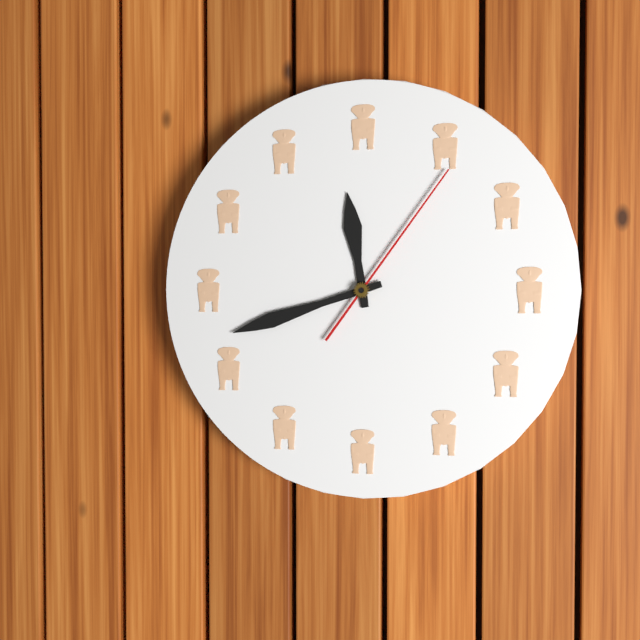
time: 11:42:06
